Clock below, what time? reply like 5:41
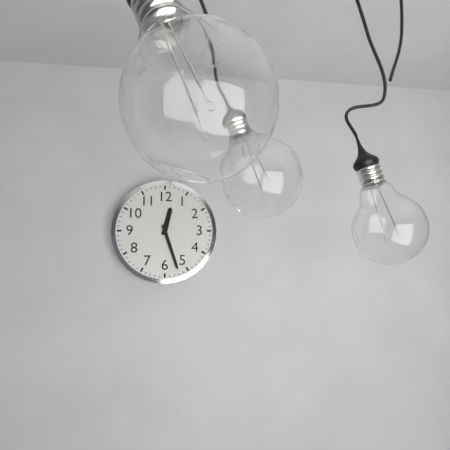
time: 12:27
